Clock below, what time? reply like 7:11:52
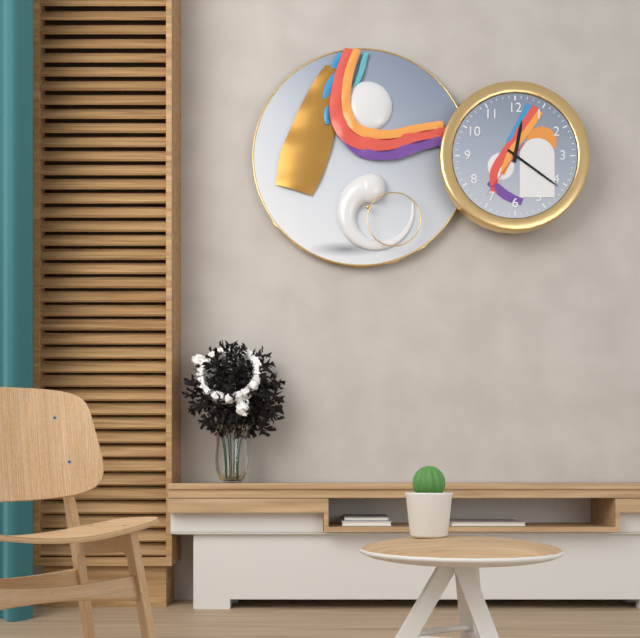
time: 12:21:36
